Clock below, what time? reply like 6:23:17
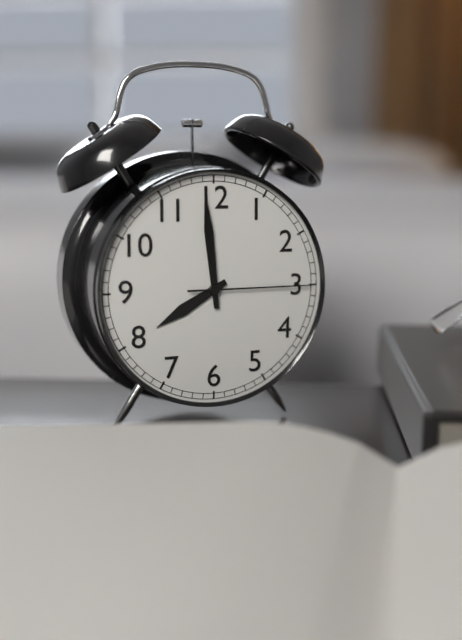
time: 7:59:15
